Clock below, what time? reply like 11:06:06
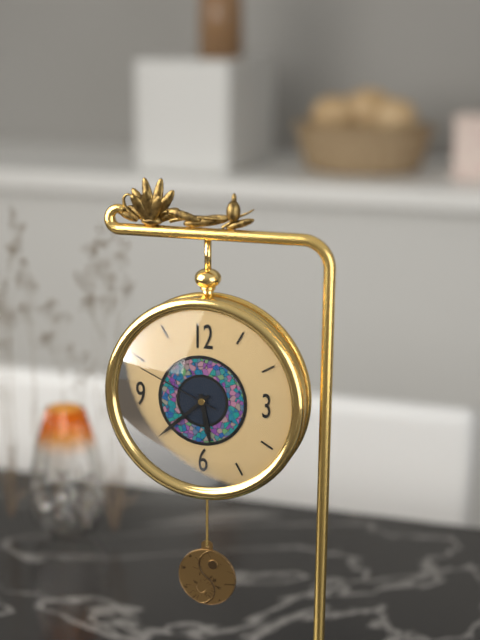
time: 5:38:49
